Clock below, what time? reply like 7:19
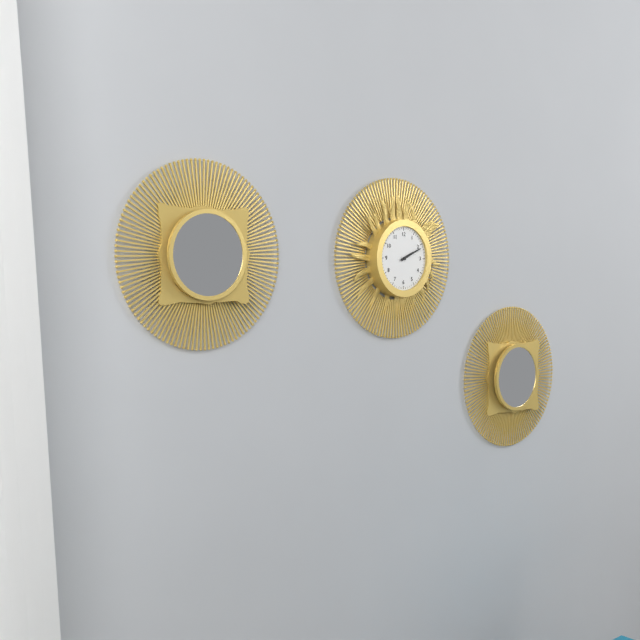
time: 2:11
